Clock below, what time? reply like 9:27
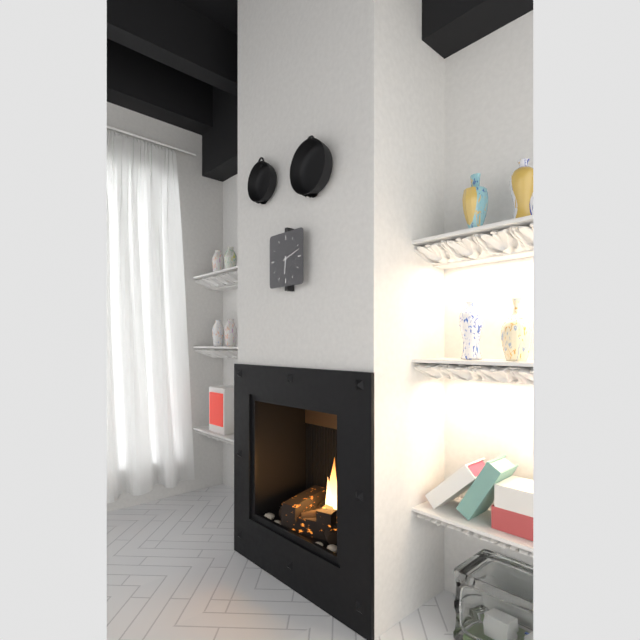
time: 6:12
